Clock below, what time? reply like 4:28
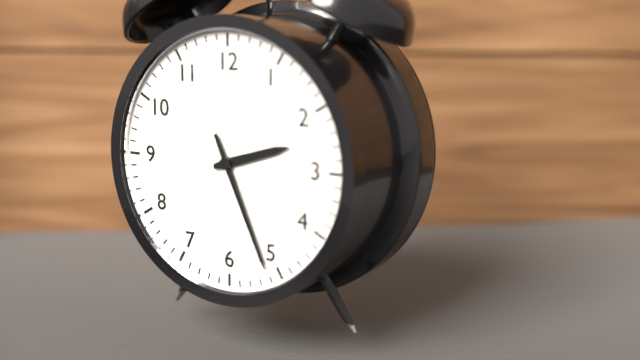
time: 2:26
